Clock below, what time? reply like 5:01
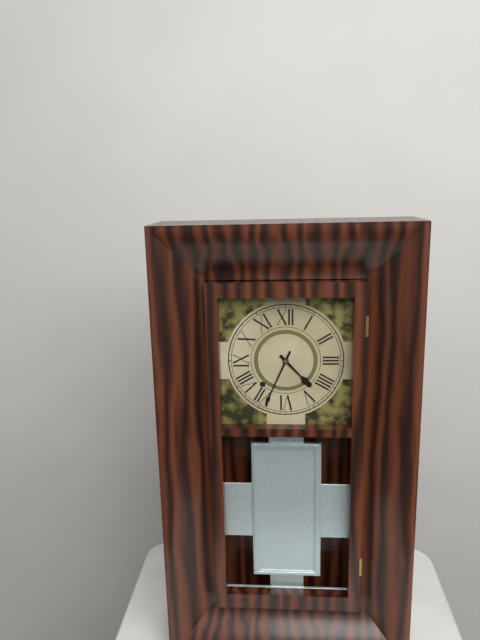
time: 4:34
